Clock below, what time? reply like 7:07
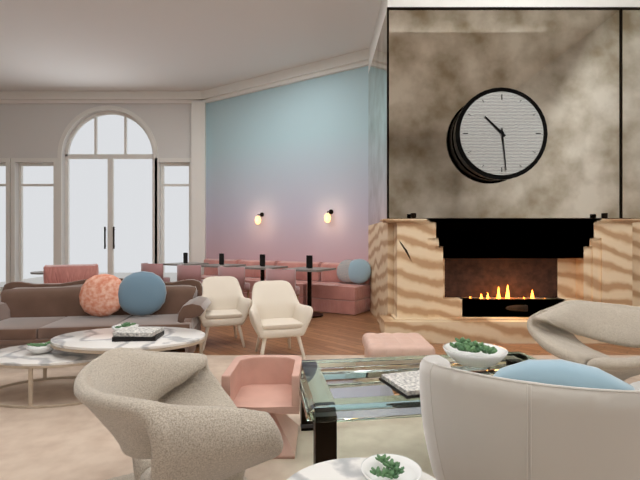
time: 10:29
